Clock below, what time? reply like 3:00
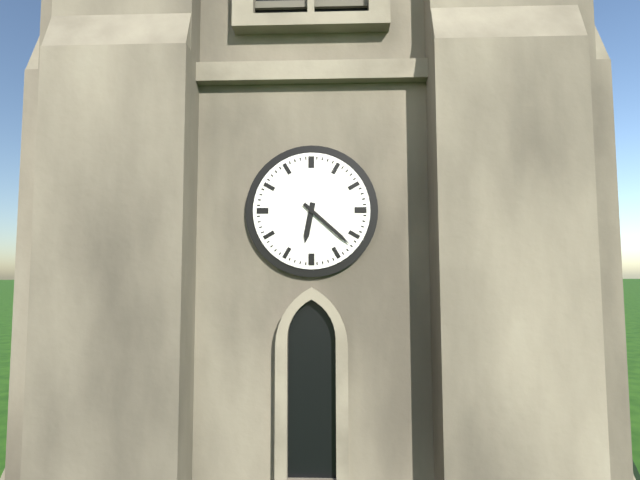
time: 6:22
